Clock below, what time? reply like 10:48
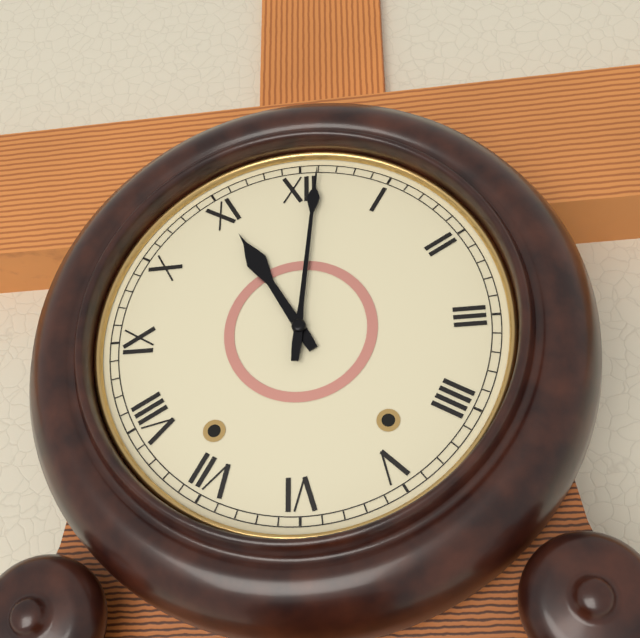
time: 11:01
